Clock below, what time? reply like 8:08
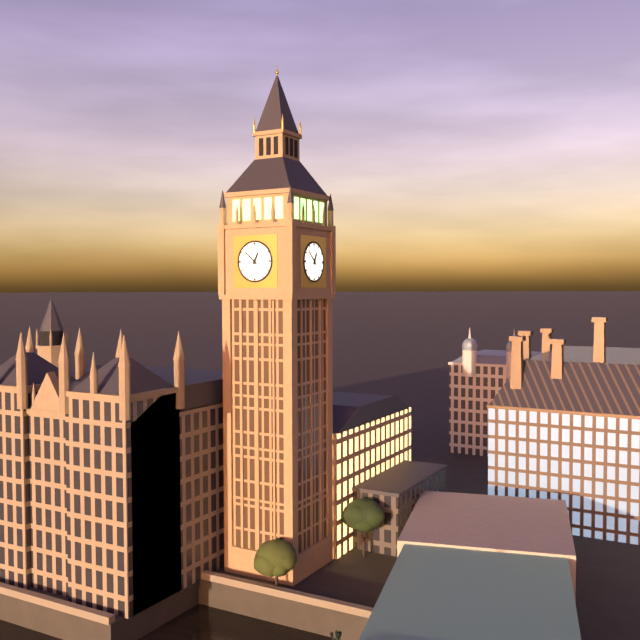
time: 12:52
